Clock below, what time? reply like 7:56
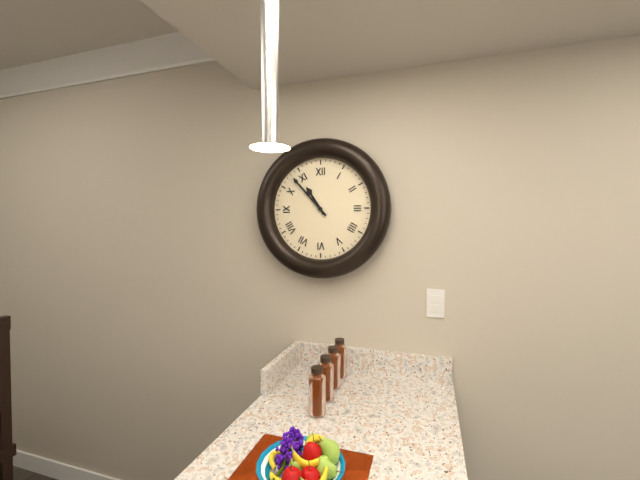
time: 10:53
